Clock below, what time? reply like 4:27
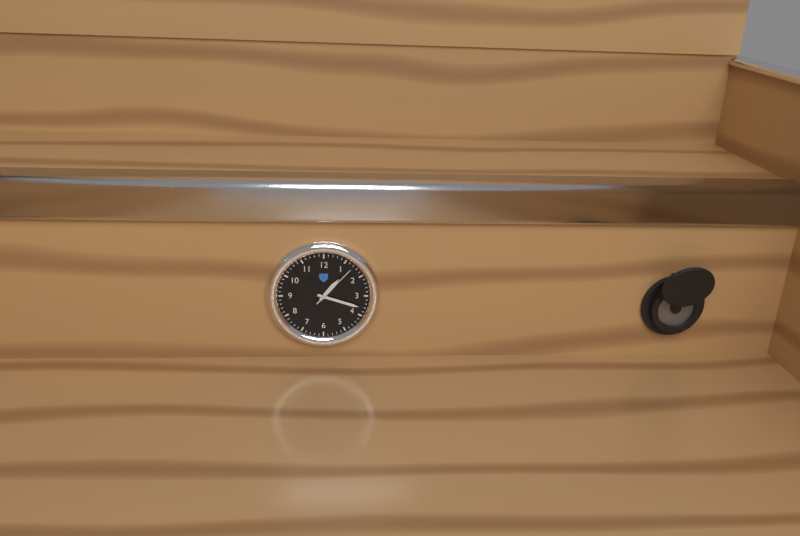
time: 1:18
